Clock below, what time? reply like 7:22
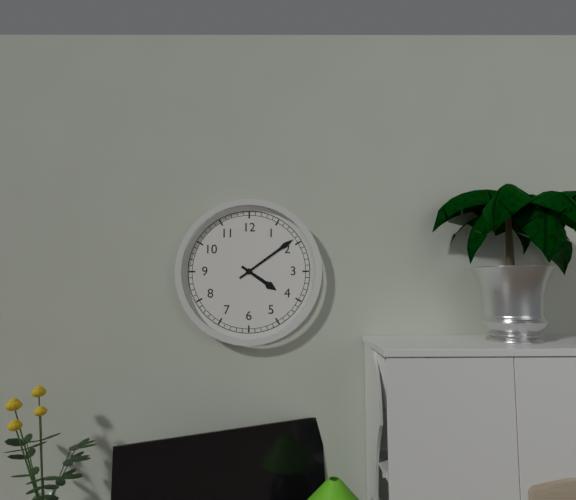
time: 4:09
